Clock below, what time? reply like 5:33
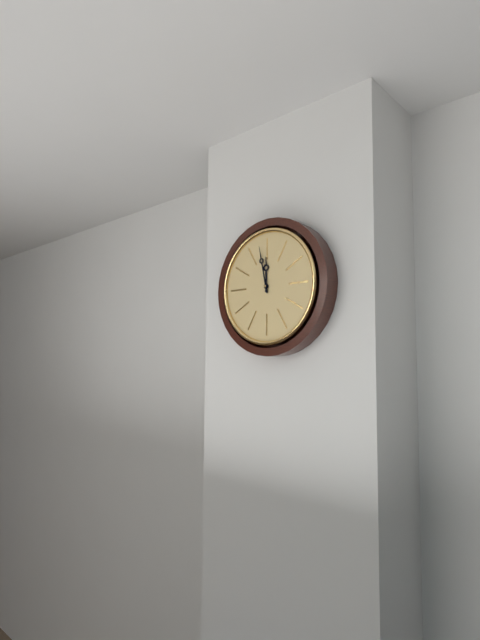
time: 11:58
